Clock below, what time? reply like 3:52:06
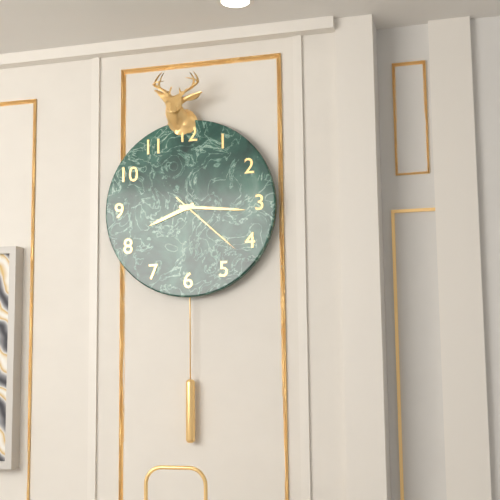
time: 8:16:22
